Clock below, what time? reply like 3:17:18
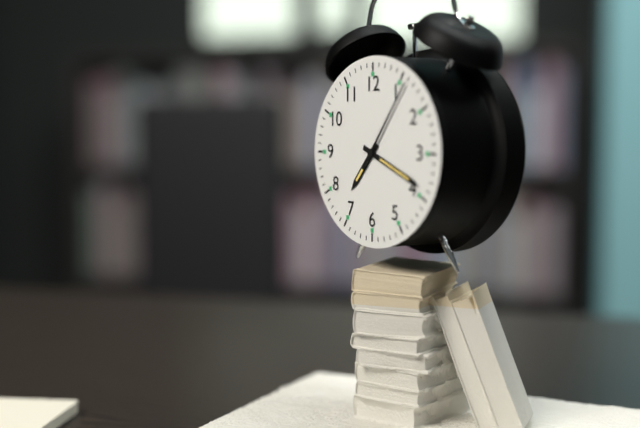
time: 7:19:06
